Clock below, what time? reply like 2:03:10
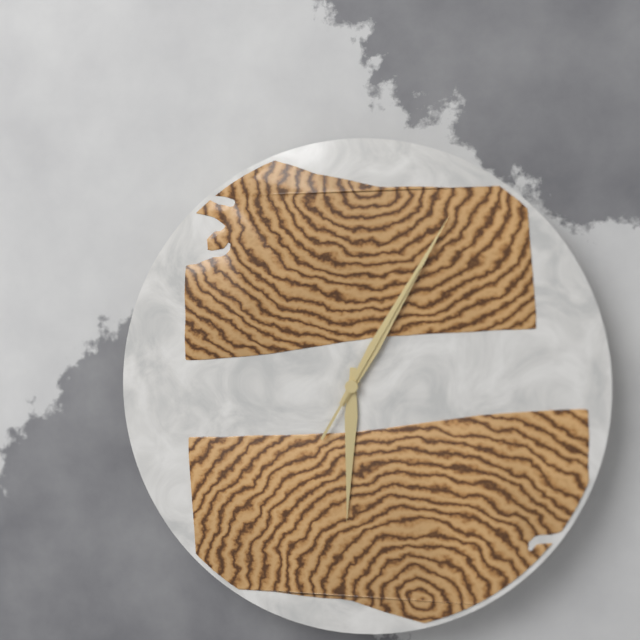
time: 6:05:05
